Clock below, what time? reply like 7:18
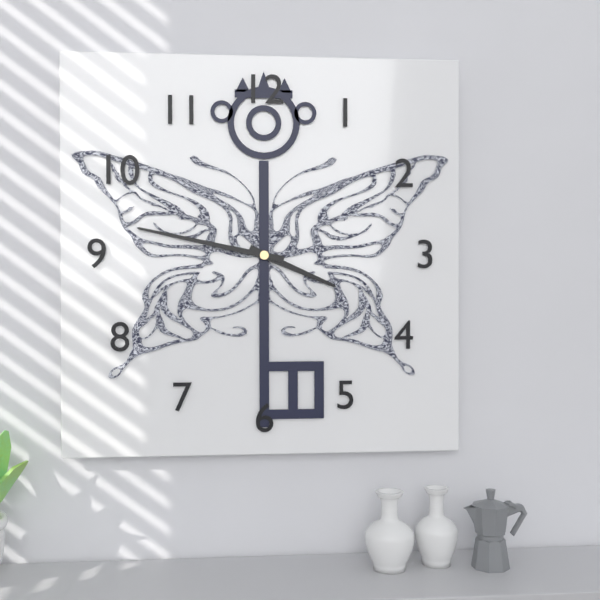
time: 3:47
